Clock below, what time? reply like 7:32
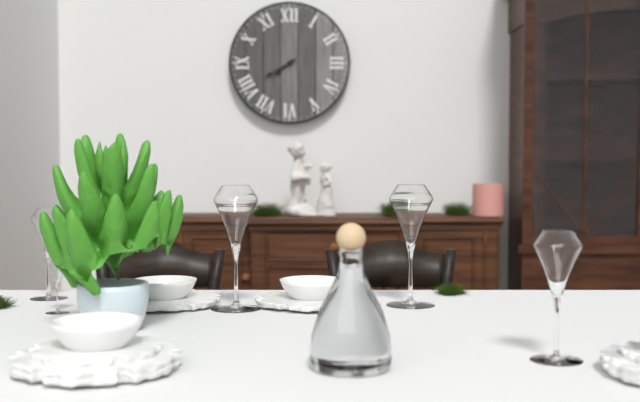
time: 7:40
